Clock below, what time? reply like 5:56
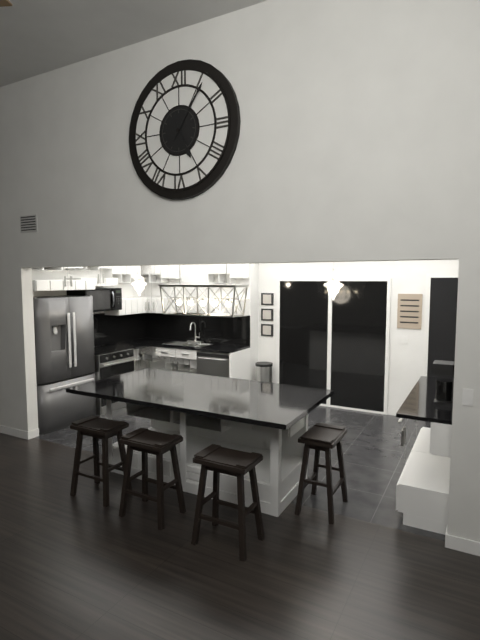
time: 5:06
